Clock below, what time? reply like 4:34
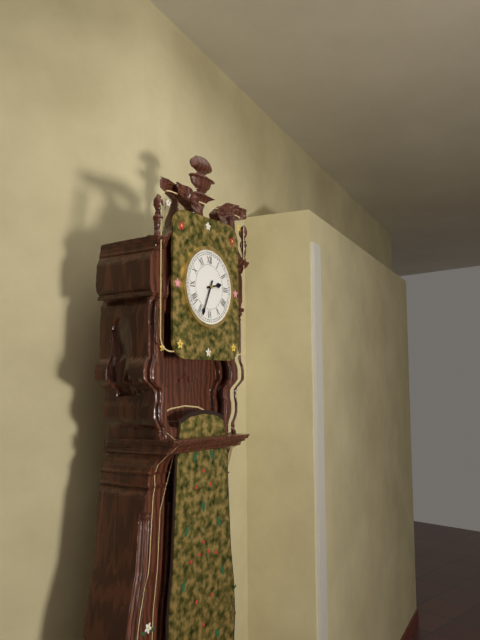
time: 2:34
